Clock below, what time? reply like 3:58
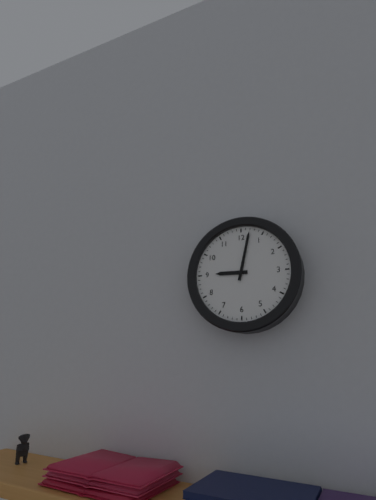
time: 9:02
